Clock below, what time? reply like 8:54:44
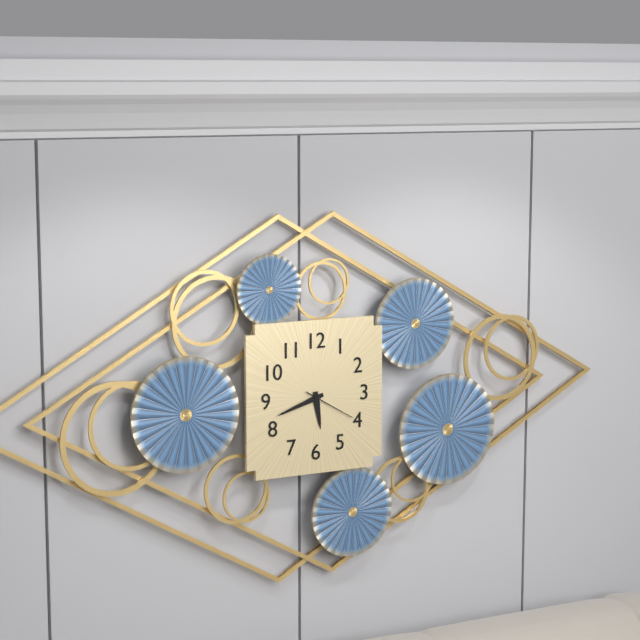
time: 5:42:20
